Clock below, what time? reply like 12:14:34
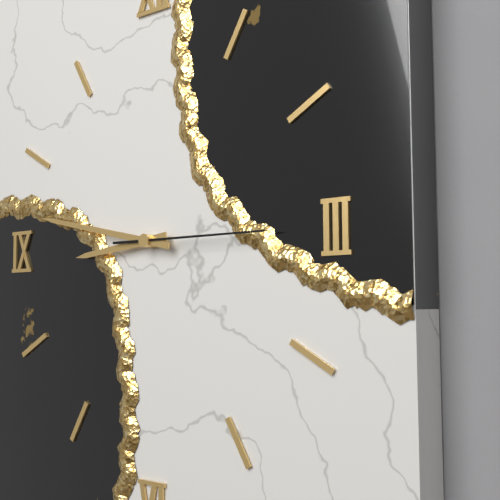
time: 8:47:15
